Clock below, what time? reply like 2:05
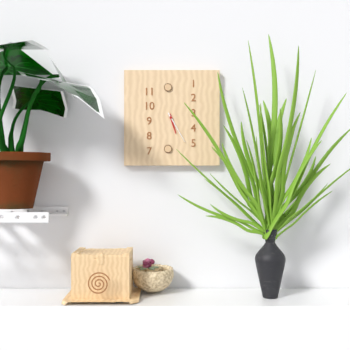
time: 5:25
